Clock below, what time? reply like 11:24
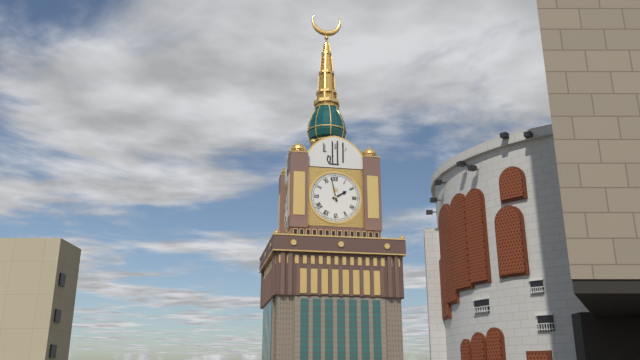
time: 1:58
